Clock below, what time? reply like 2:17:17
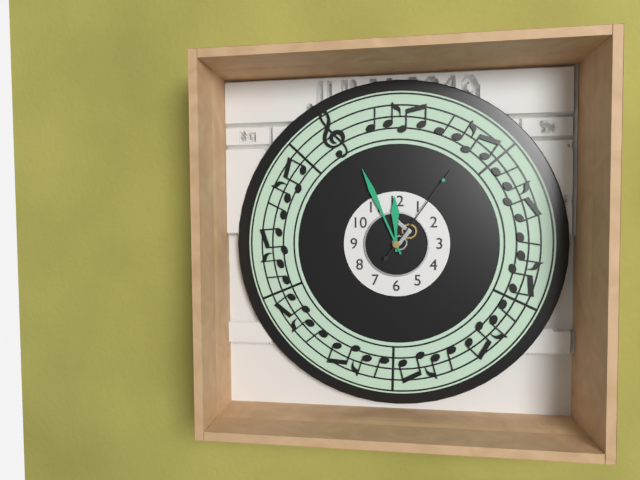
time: 11:56:06
